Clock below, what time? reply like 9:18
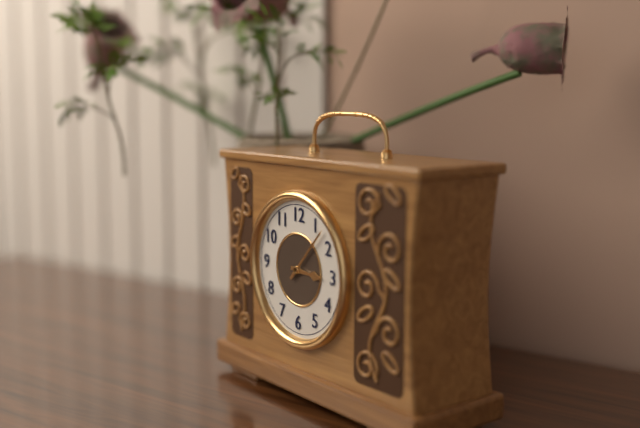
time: 3:07
